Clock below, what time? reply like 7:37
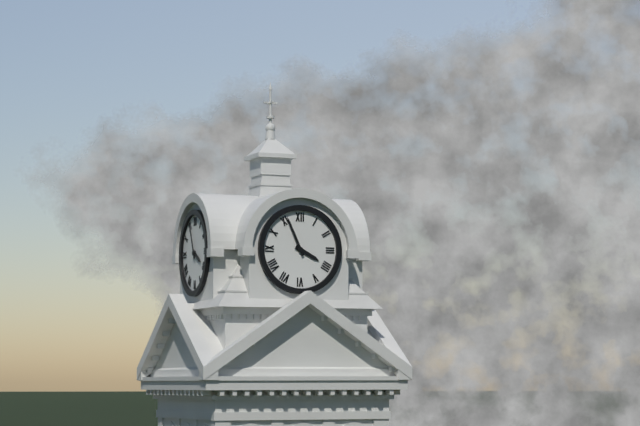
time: 3:56
